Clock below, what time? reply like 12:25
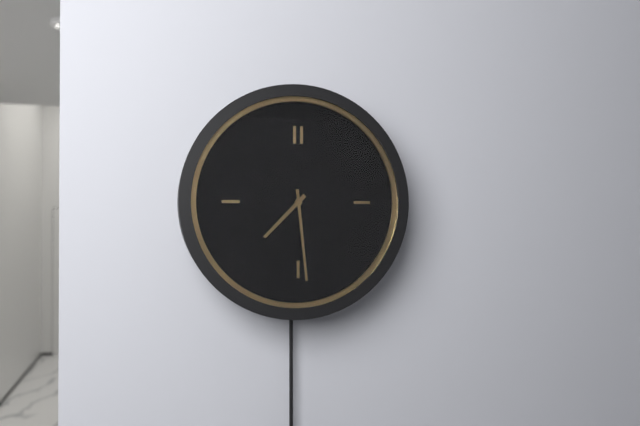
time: 7:29
